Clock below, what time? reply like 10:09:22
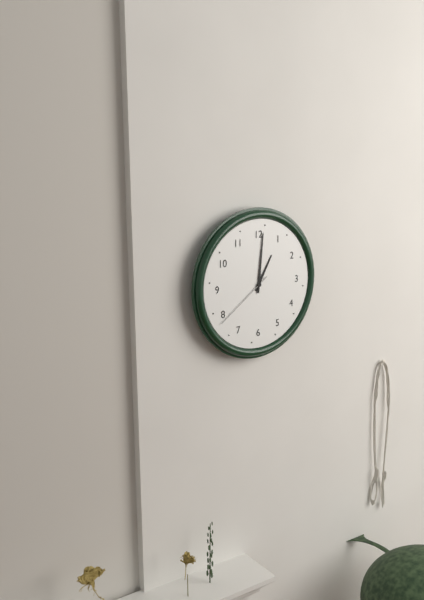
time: 1:01:39
